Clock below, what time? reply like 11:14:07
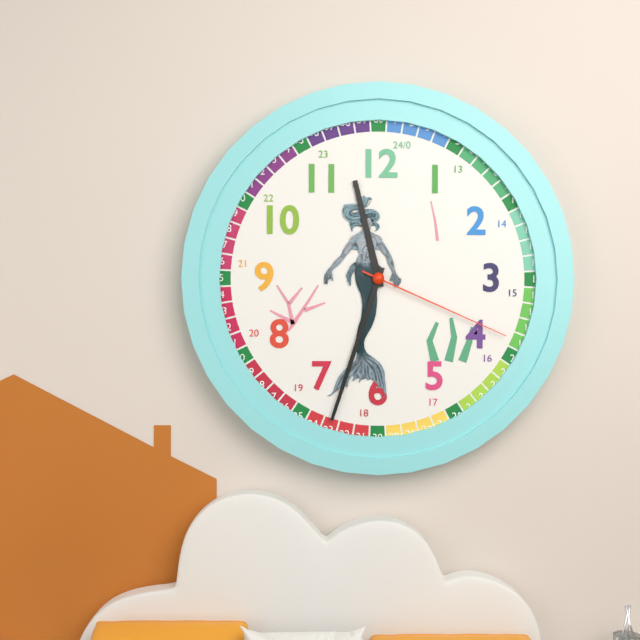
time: 11:33:19
